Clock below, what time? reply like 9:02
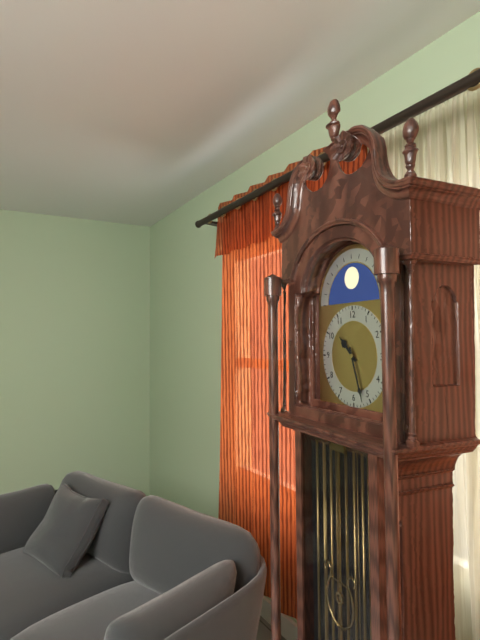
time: 10:27
